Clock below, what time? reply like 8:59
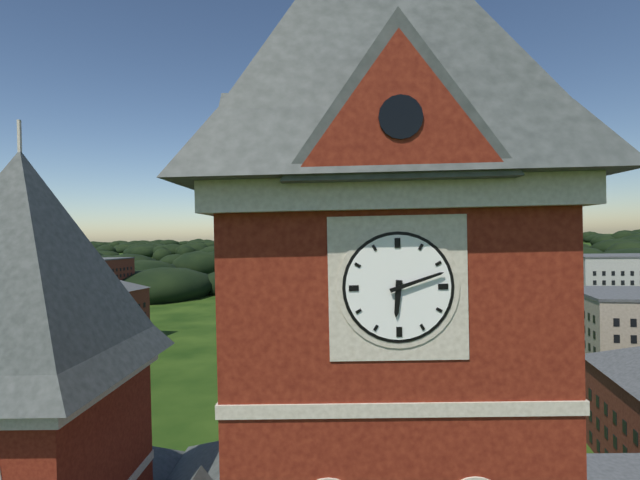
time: 6:12
